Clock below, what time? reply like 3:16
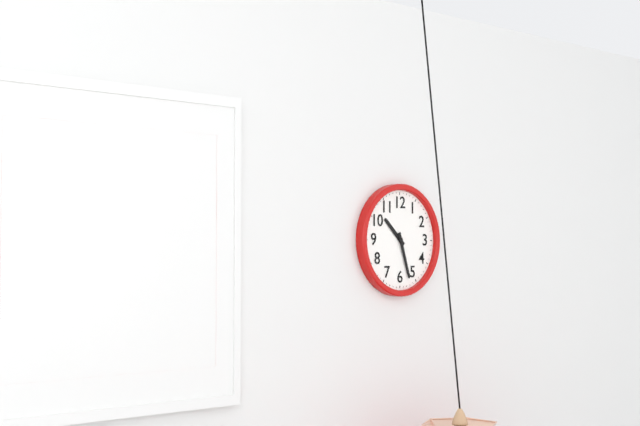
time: 10:27
